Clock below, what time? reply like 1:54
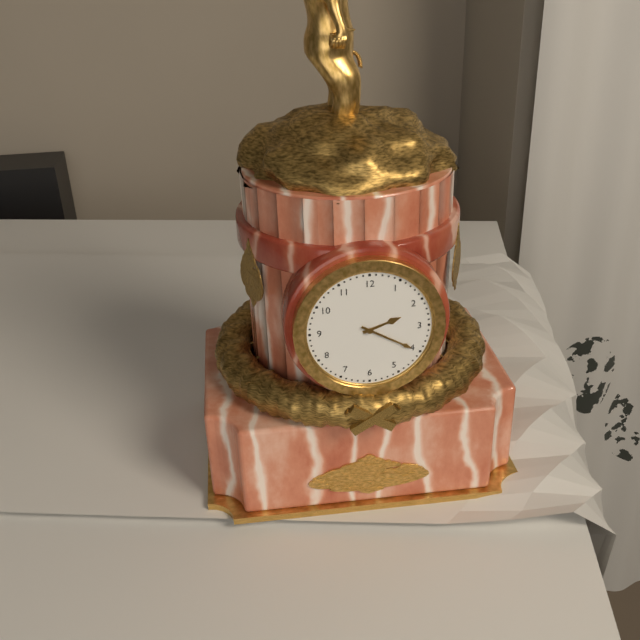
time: 2:20
